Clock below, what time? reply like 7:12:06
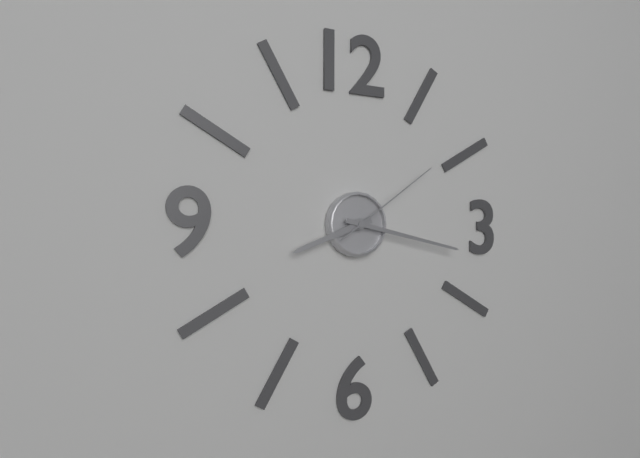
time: 8:17:09
